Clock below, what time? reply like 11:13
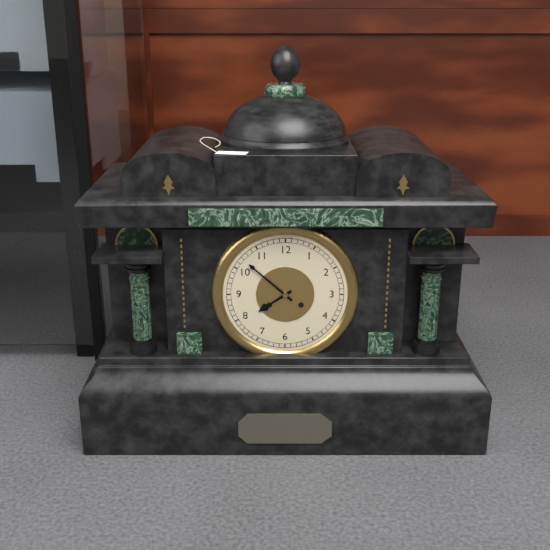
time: 7:52
